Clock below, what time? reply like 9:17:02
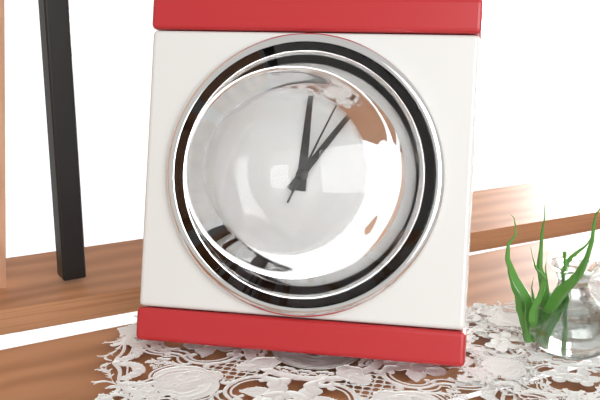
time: 12:06:04
